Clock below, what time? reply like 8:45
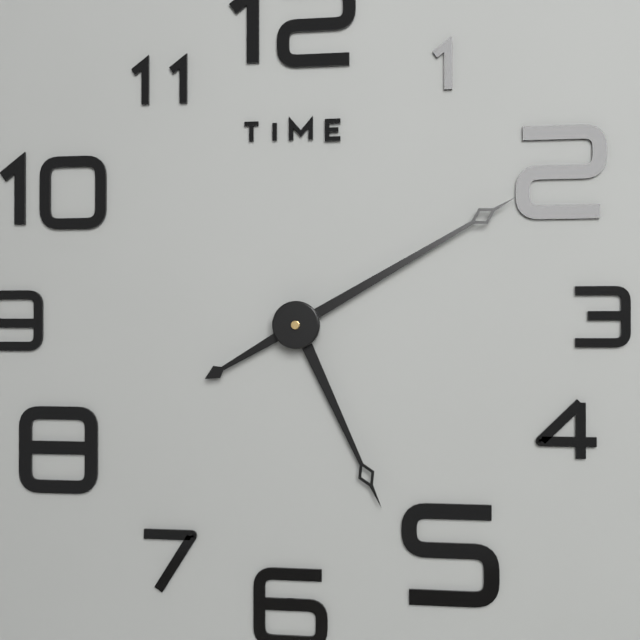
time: 5:10
